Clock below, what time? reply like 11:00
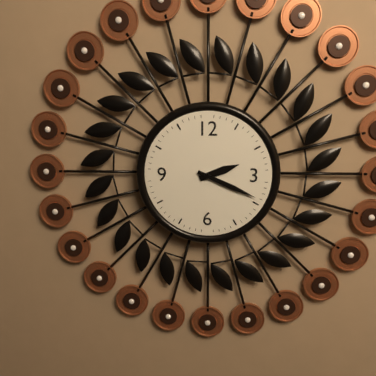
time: 2:19
